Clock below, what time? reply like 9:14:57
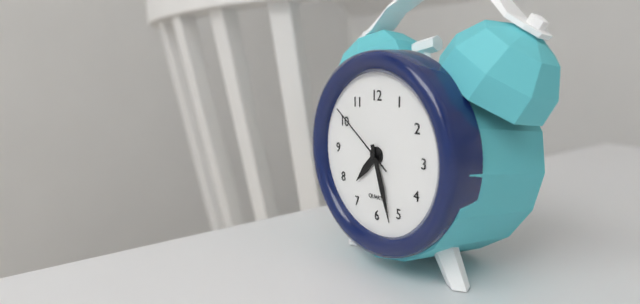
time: 7:27:51
